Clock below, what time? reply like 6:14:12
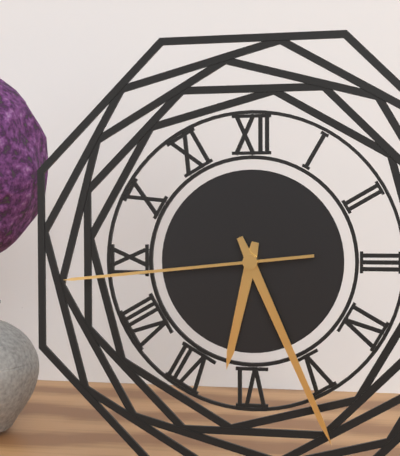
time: 6:26:44
